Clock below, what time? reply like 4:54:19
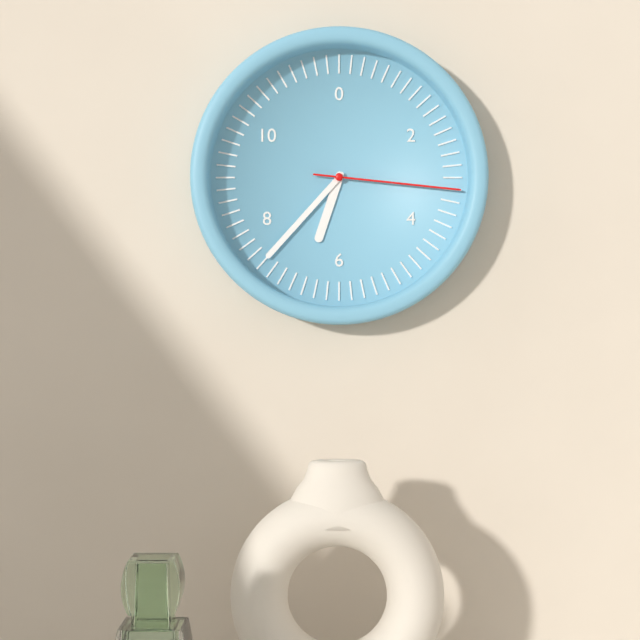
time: 6:37:16
